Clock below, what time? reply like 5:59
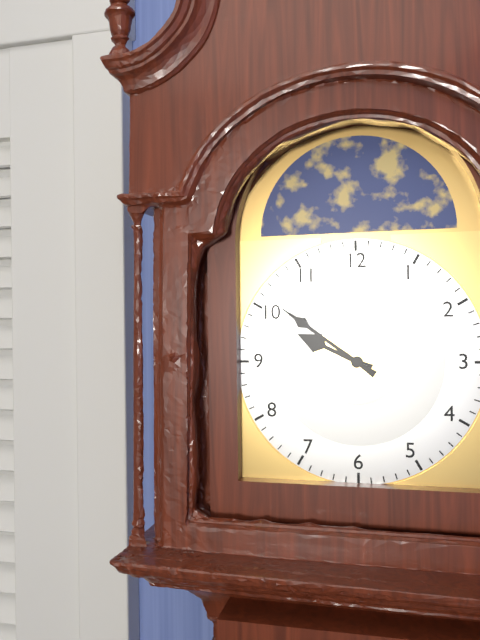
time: 9:51
